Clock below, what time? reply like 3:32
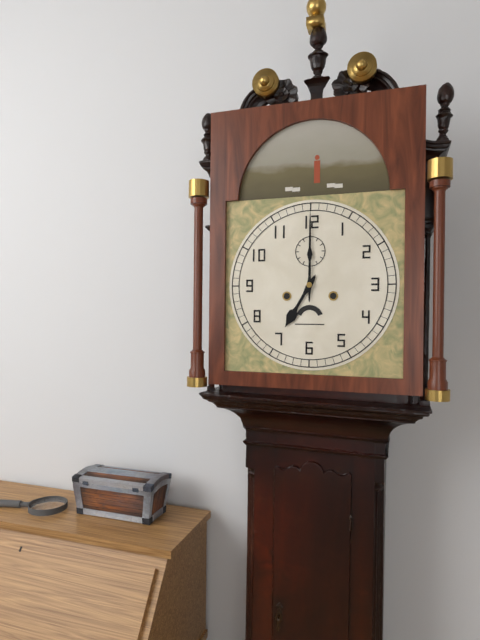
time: 7:00
